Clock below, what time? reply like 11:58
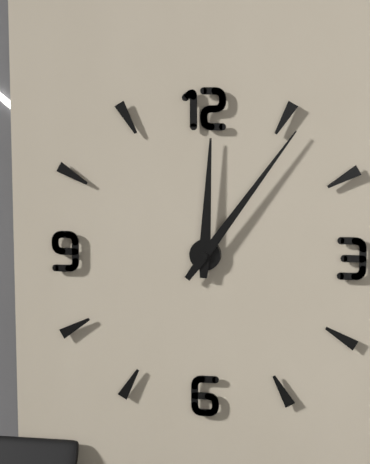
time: 12:06
